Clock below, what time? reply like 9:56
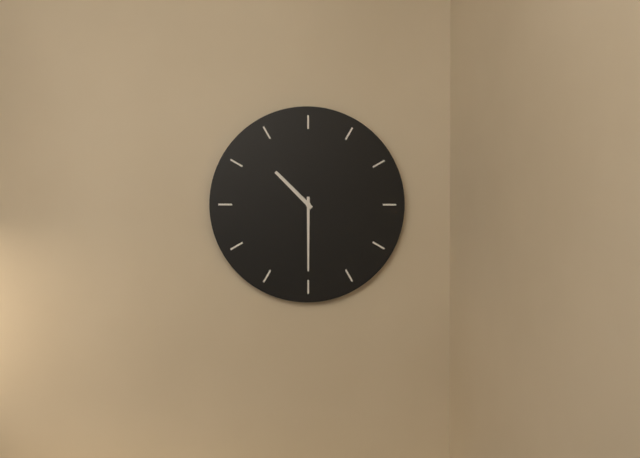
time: 10:30
